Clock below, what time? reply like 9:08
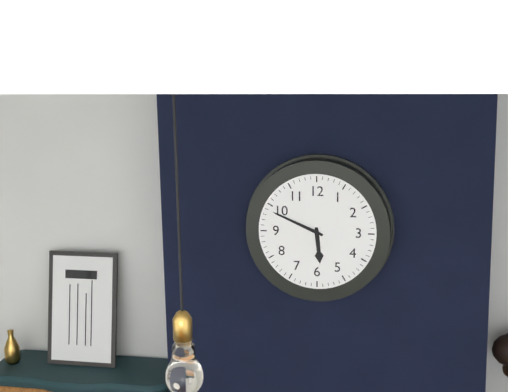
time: 5:49
